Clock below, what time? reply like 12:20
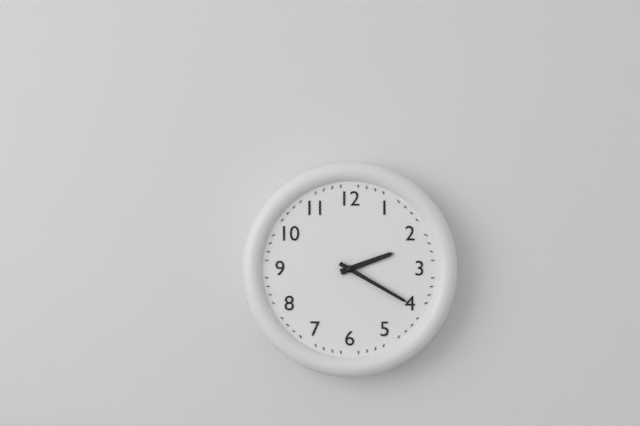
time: 2:20
